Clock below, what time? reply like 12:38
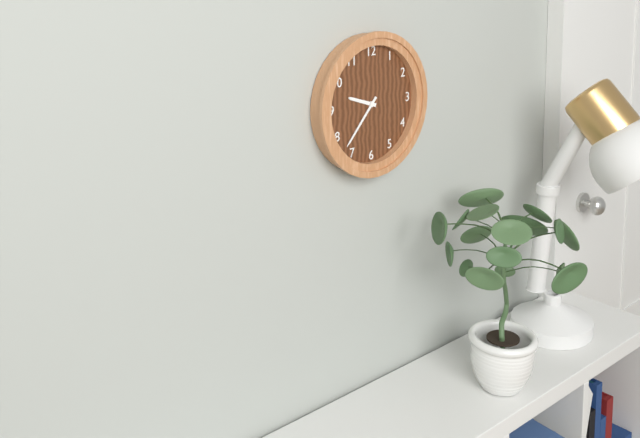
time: 9:37
